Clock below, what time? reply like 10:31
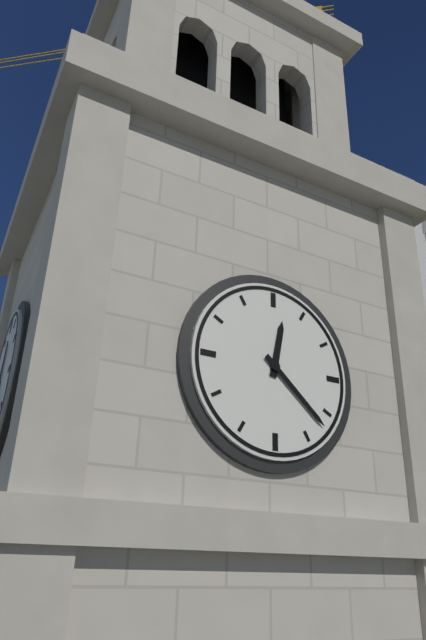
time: 12:22
